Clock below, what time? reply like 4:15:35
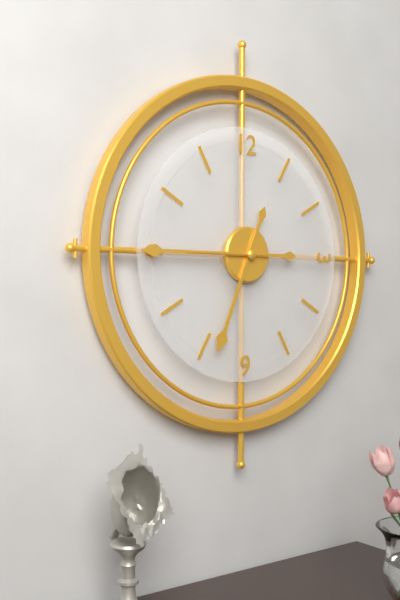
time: 6:45:45
